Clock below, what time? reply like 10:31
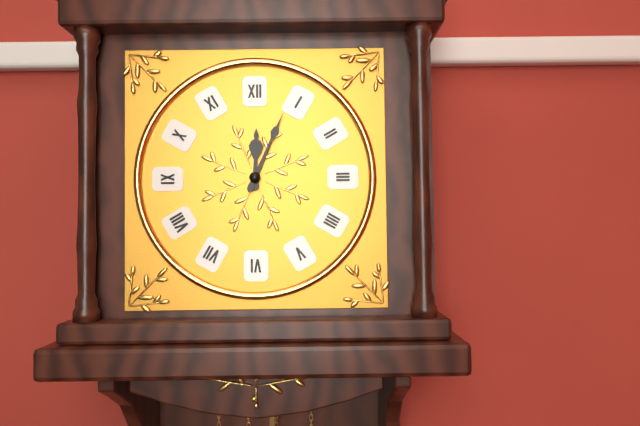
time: 12:04
